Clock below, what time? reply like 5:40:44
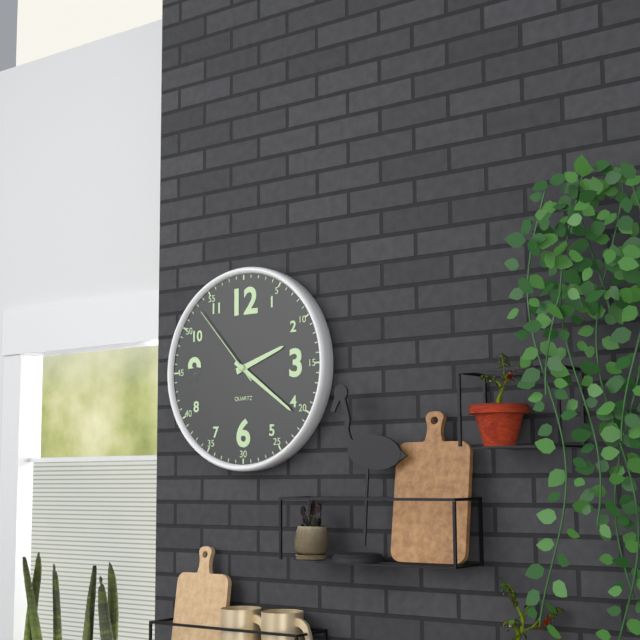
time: 2:21:53
